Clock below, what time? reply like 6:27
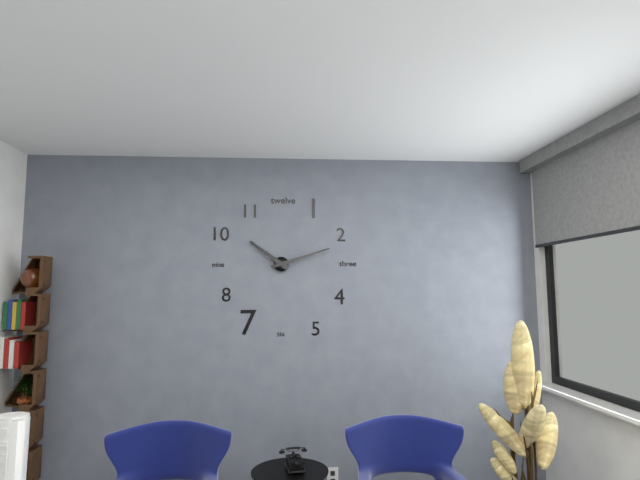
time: 10:12
